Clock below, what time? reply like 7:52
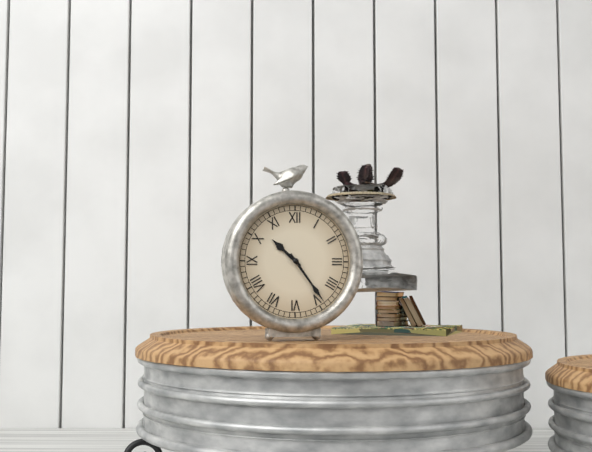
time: 10:24
